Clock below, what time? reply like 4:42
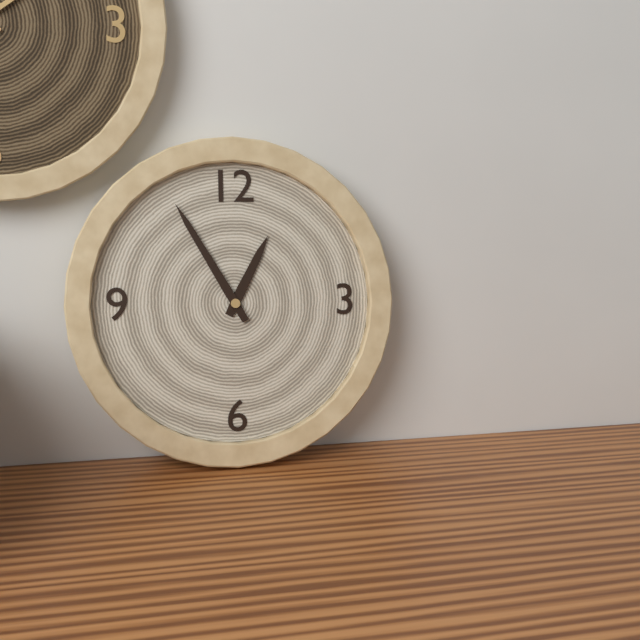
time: 12:55
